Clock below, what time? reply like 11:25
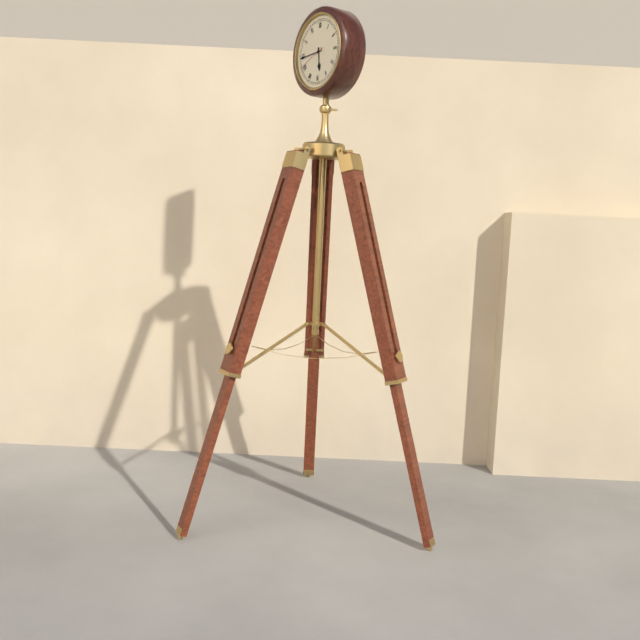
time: 5:44
